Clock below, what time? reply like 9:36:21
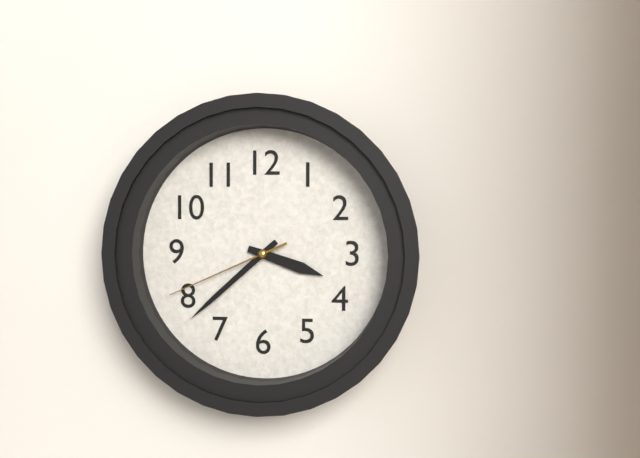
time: 3:38:41
